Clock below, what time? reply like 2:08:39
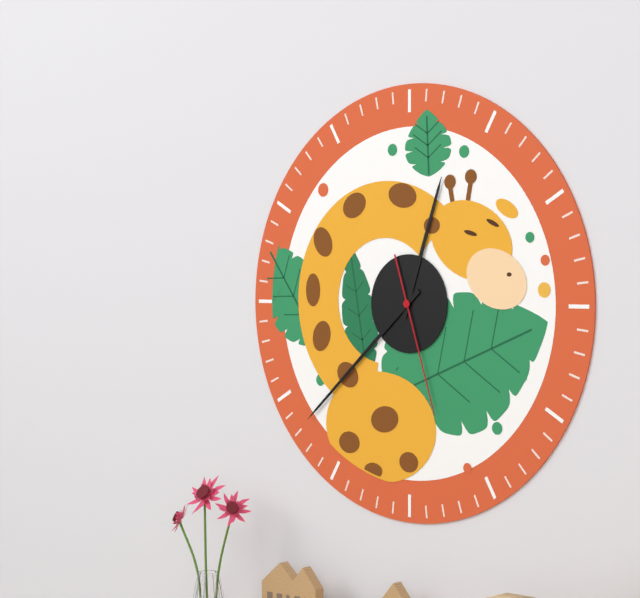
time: 12:38:27
